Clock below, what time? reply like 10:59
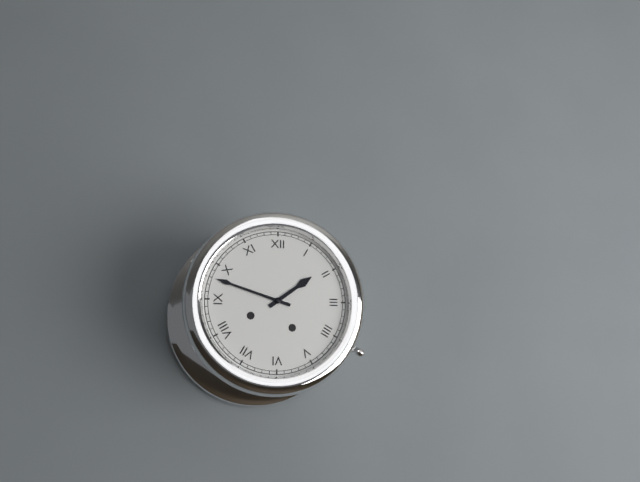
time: 1:48
